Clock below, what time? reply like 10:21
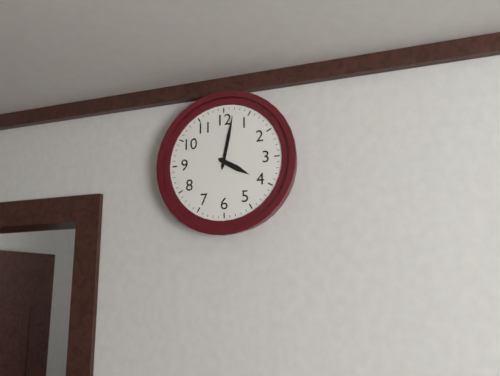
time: 4:02
